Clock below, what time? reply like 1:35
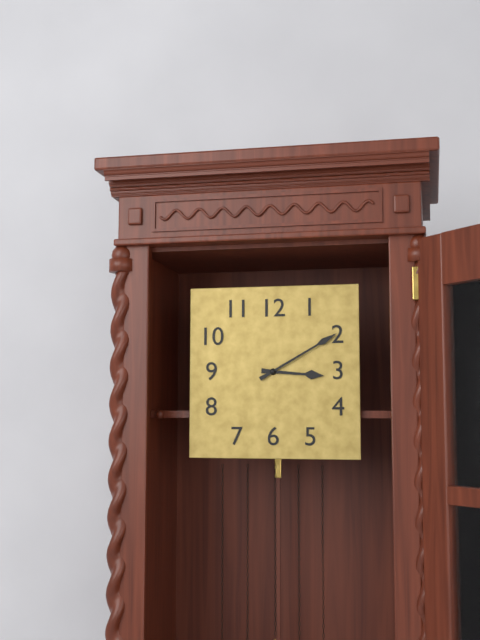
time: 3:10
